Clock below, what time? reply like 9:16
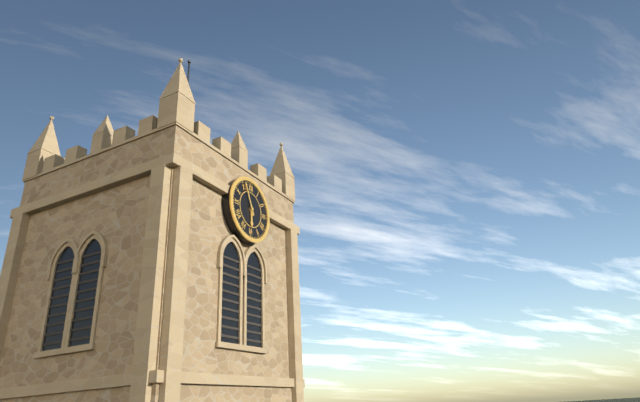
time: 5:56
